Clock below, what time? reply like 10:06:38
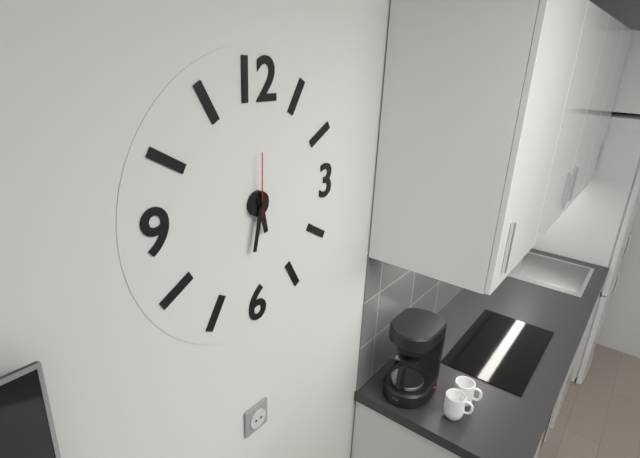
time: 5:32:00
